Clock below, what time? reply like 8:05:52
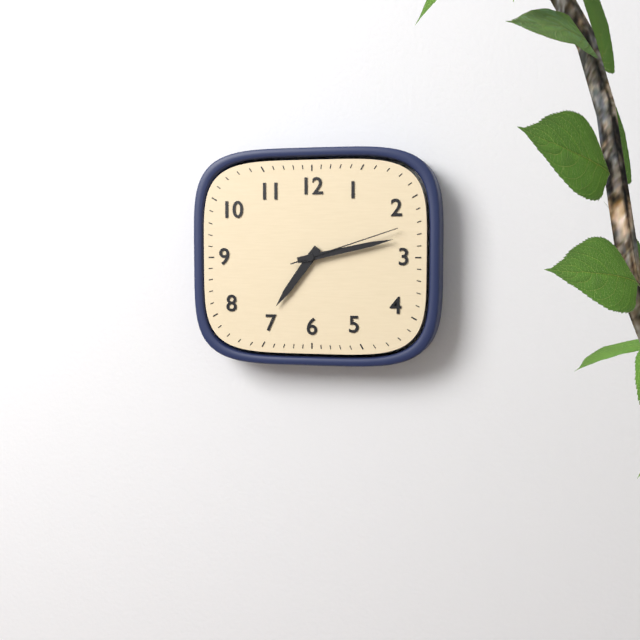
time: 7:13:12
